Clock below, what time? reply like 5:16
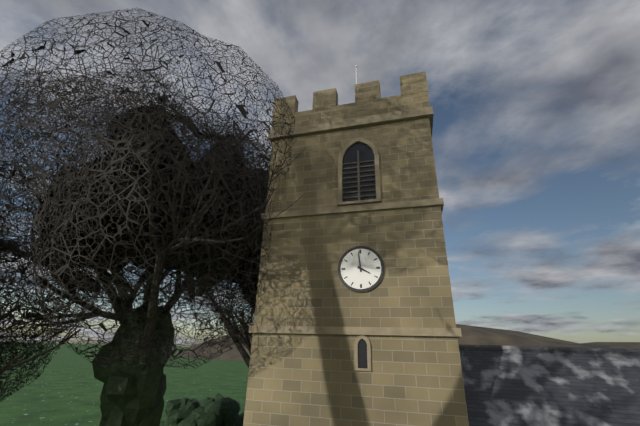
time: 3:59
